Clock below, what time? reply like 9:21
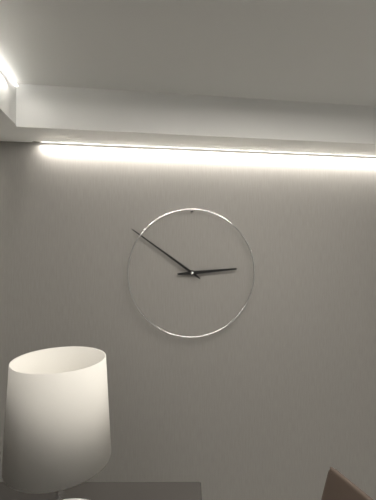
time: 2:51
